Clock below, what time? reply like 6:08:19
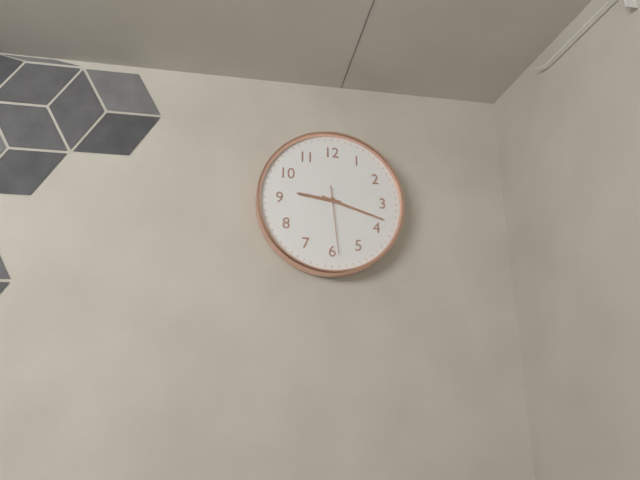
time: 9:18:29
